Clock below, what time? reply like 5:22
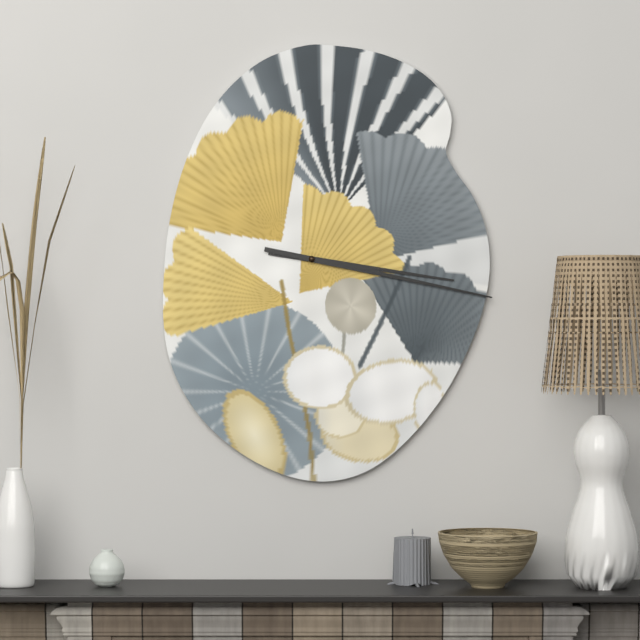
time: 3:17
